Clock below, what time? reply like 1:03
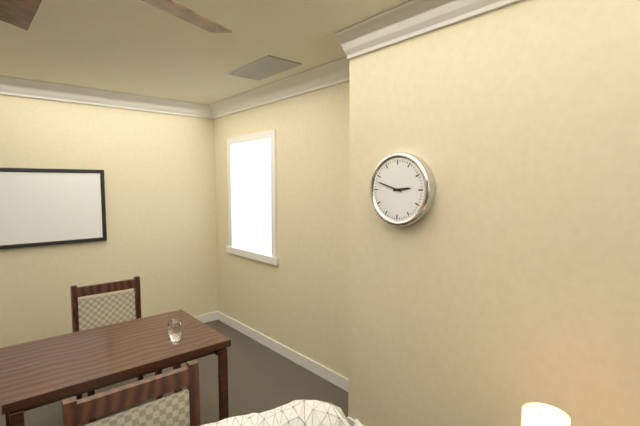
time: 2:48
